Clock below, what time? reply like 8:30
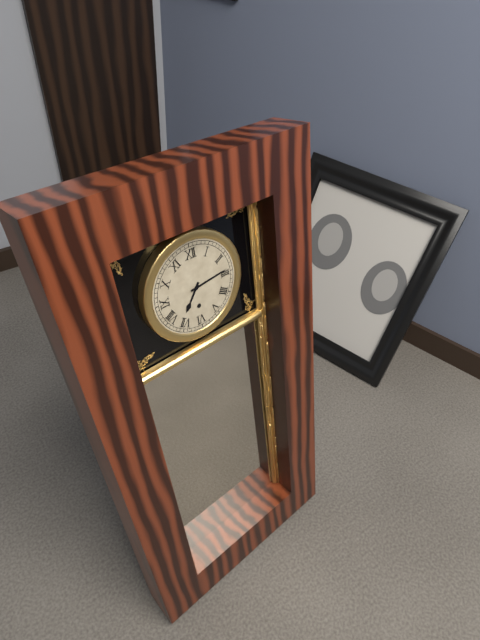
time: 7:14
